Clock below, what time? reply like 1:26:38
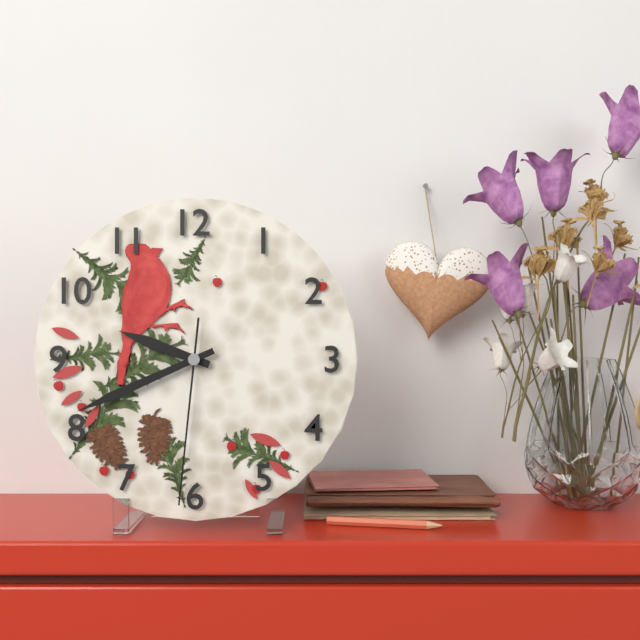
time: 9:41:31
